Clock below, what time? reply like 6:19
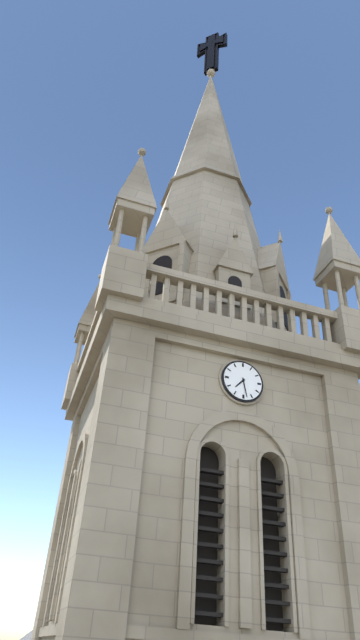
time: 7:28
